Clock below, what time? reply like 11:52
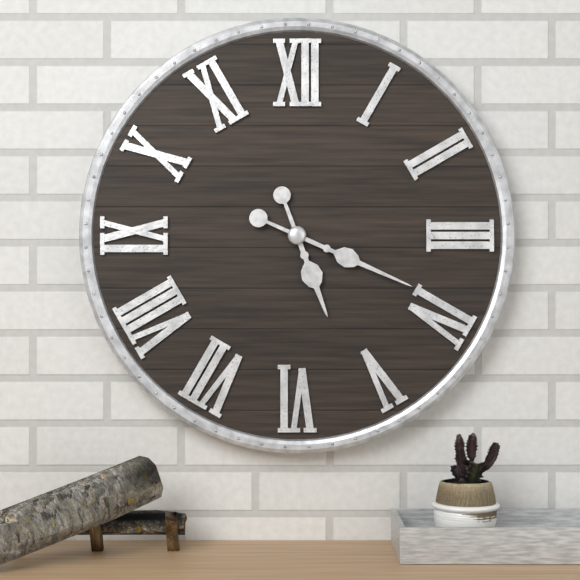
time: 5:19
